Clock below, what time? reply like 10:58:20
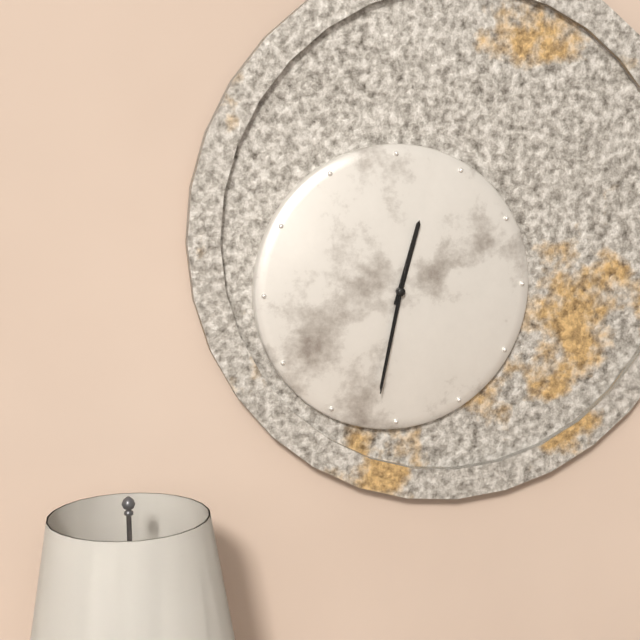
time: 12:32:32
